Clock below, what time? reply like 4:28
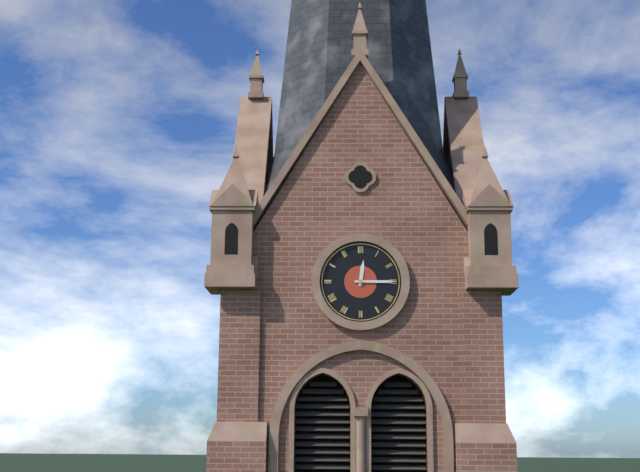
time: 12:15
